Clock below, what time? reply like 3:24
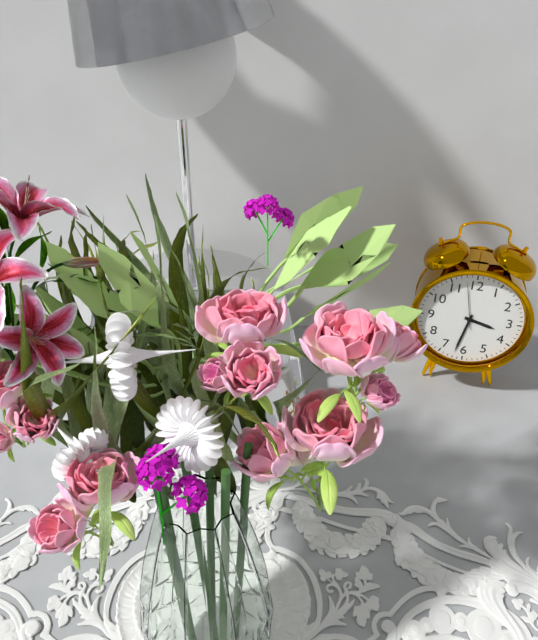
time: 3:32
